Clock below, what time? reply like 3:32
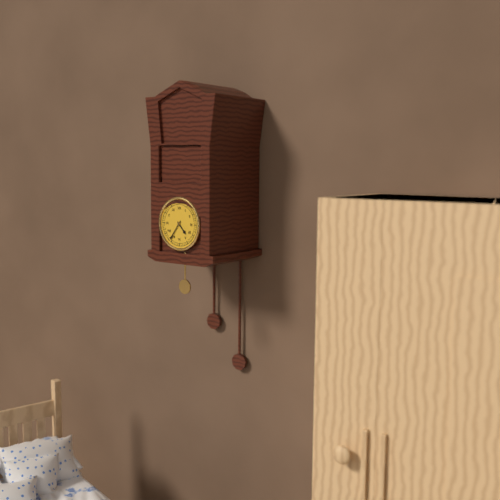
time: 4:36
